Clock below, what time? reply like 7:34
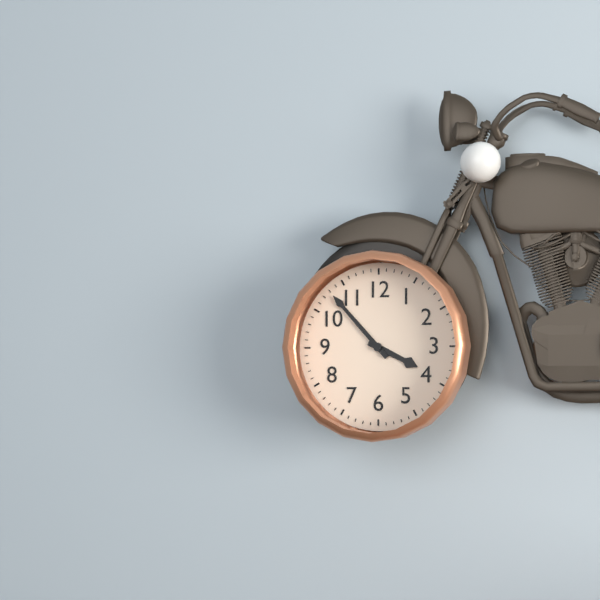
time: 3:53
